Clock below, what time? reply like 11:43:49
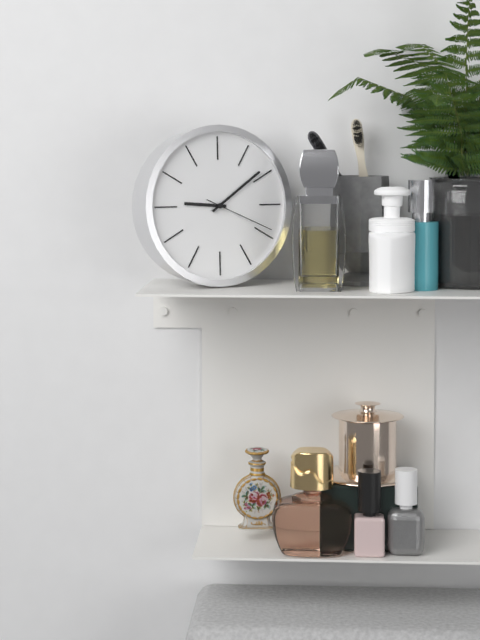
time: 9:09:19
